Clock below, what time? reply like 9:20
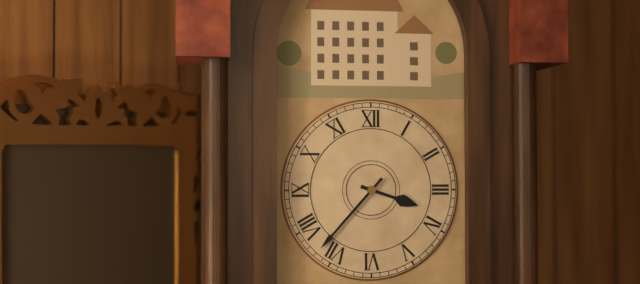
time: 3:37
